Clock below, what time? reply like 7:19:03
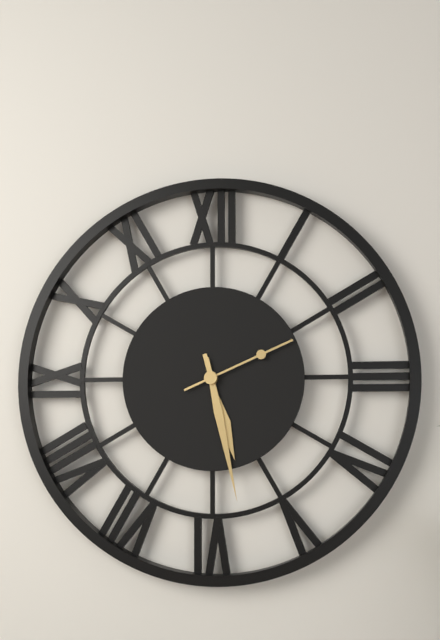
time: 5:28:11
